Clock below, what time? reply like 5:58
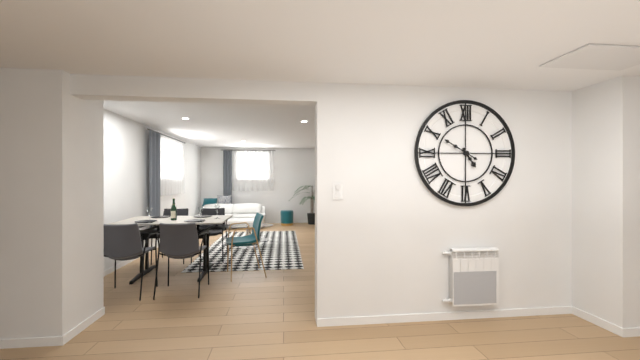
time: 4:50
